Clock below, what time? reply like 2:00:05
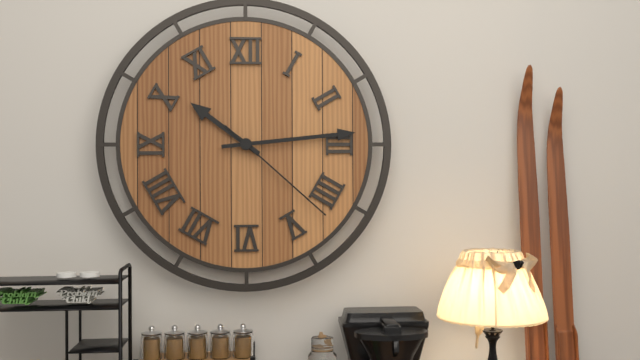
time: 10:14:22
